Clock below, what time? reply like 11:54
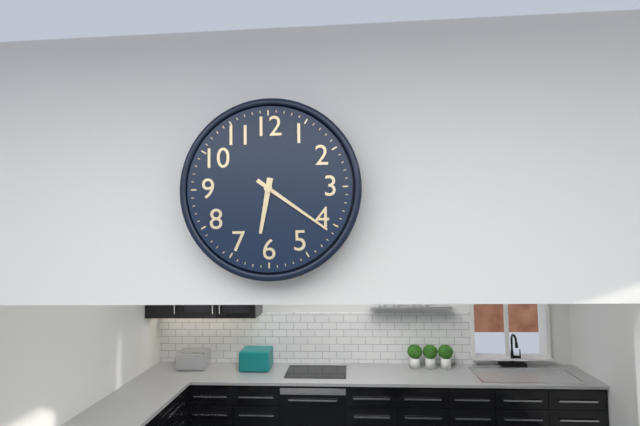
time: 6:21
